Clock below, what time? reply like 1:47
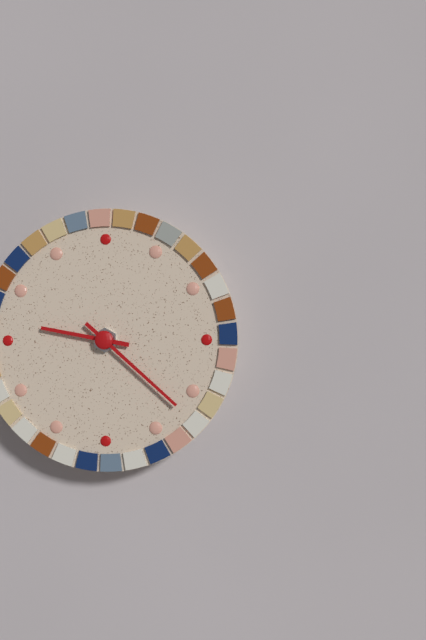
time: 9:22
